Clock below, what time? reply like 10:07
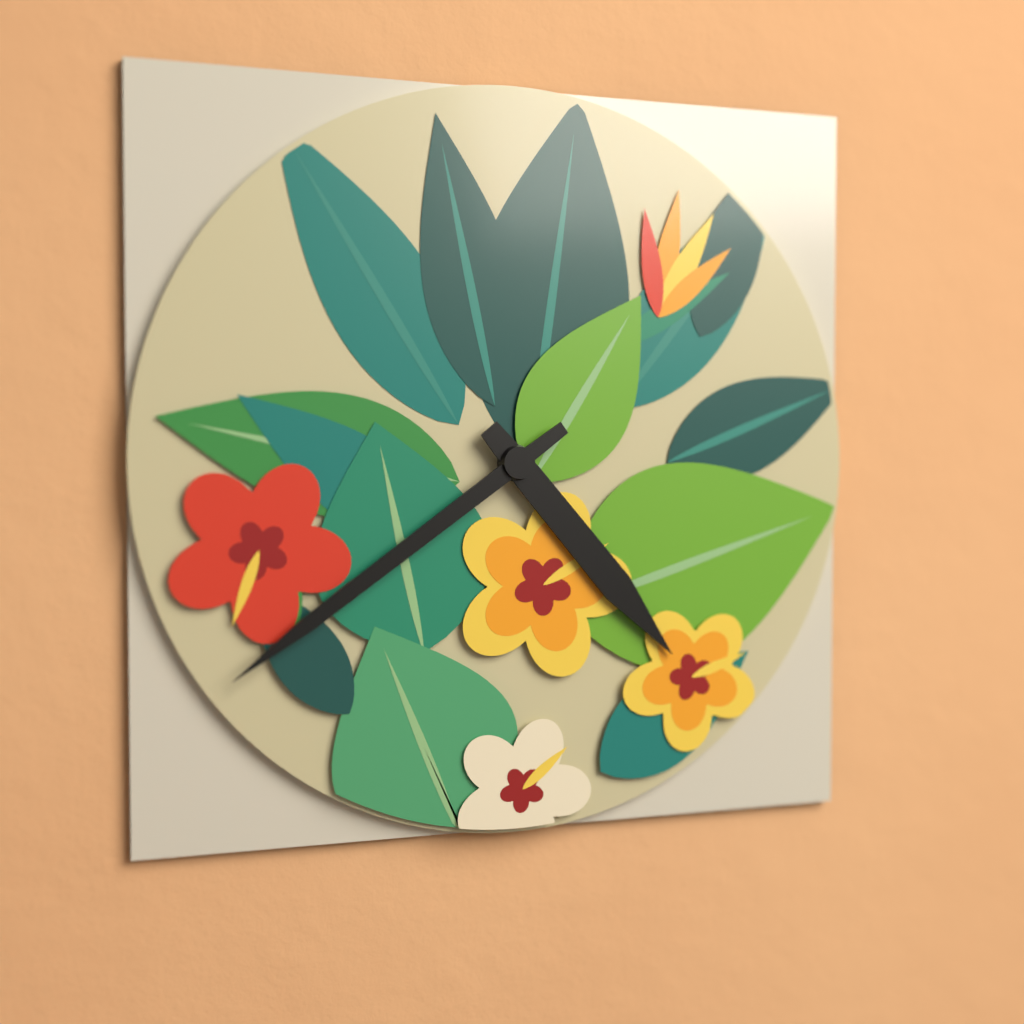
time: 4:39
